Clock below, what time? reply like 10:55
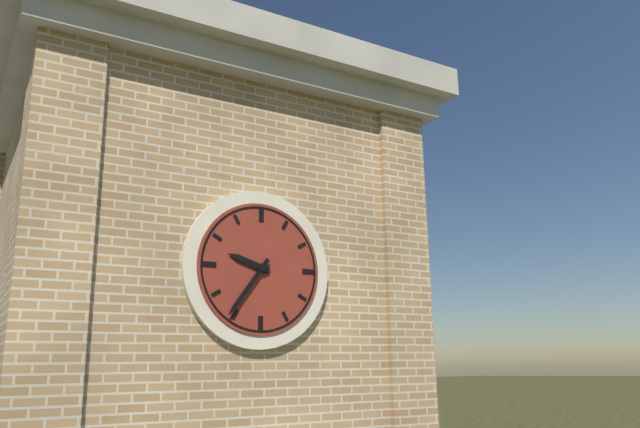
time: 9:36
